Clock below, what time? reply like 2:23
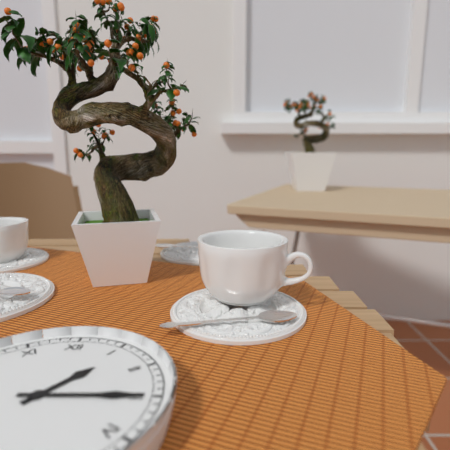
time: 1:15
